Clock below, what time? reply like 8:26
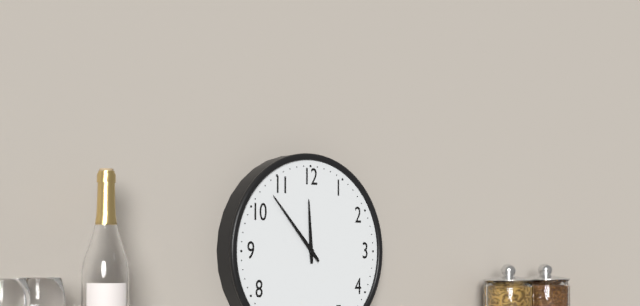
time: 11:53
